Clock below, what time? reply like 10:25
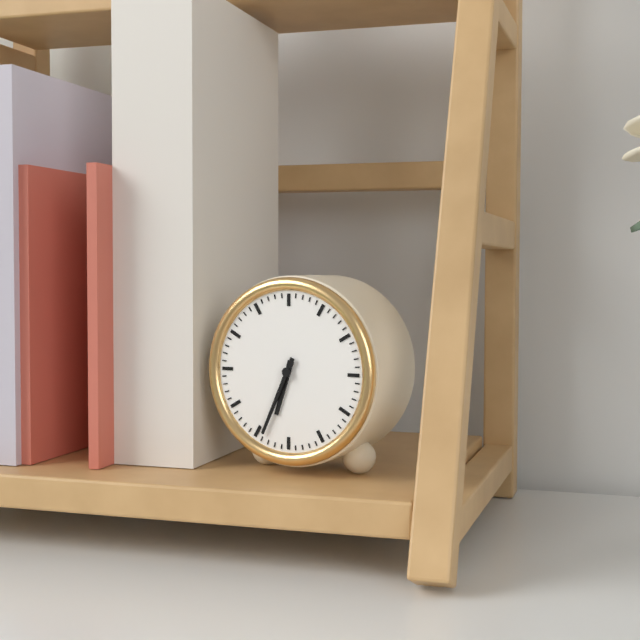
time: 6:34
